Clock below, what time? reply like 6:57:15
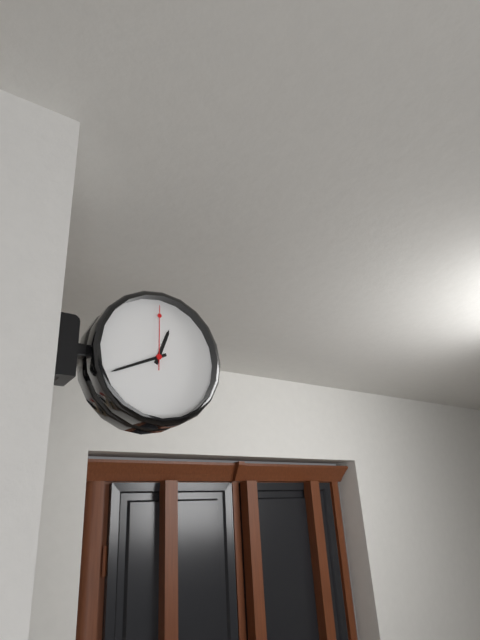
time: 12:41:00
